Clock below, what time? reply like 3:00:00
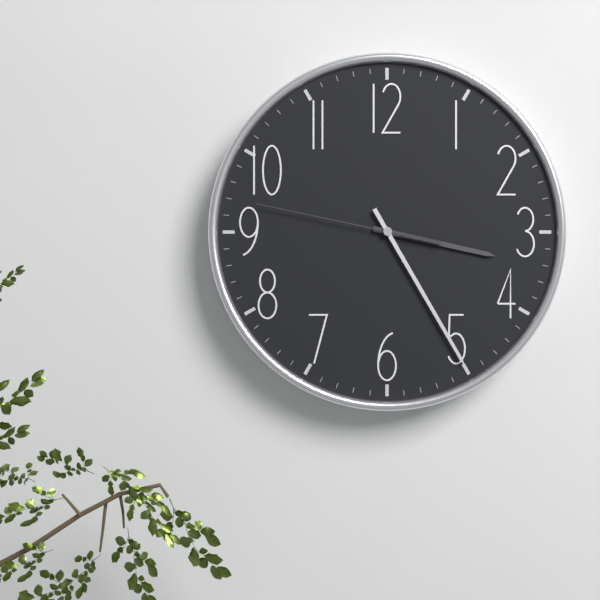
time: 3:25:47
